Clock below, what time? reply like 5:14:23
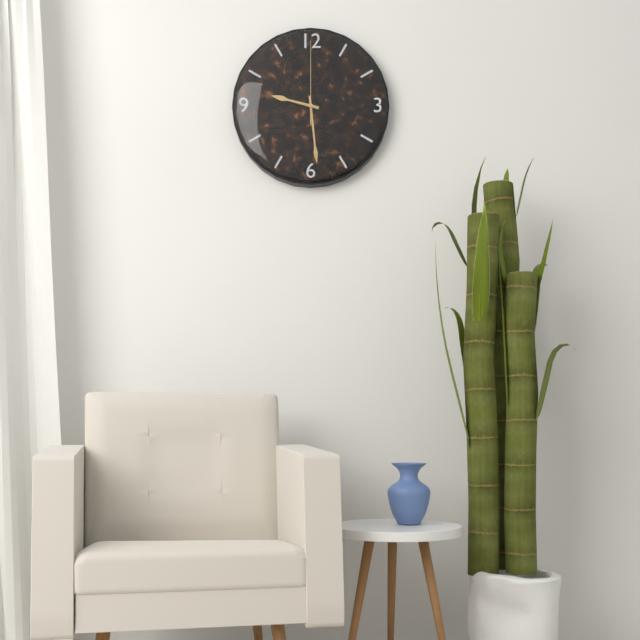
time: 9:29:00
